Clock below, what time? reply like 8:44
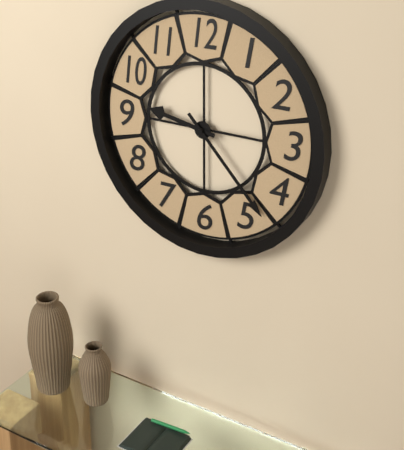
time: 9:23
